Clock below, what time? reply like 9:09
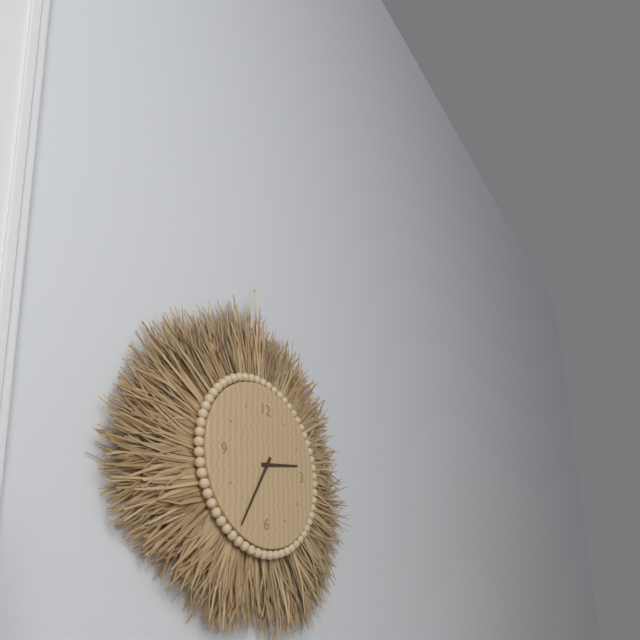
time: 2:35
